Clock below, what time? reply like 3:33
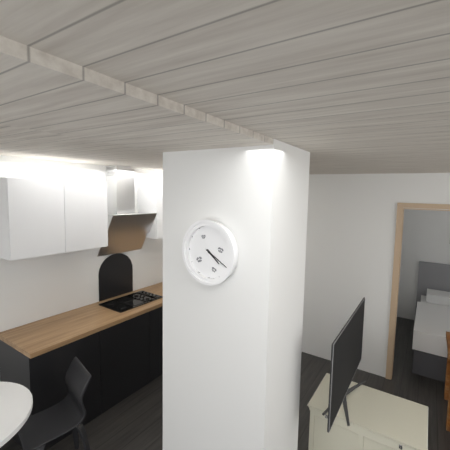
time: 4:20
